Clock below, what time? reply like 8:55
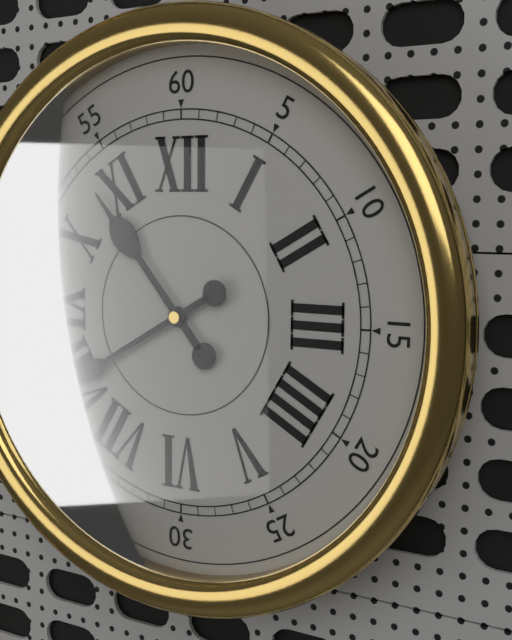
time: 10:40
